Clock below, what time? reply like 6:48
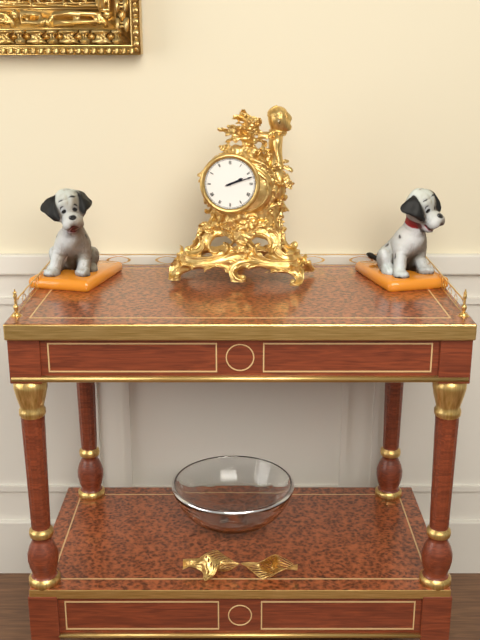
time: 2:12
